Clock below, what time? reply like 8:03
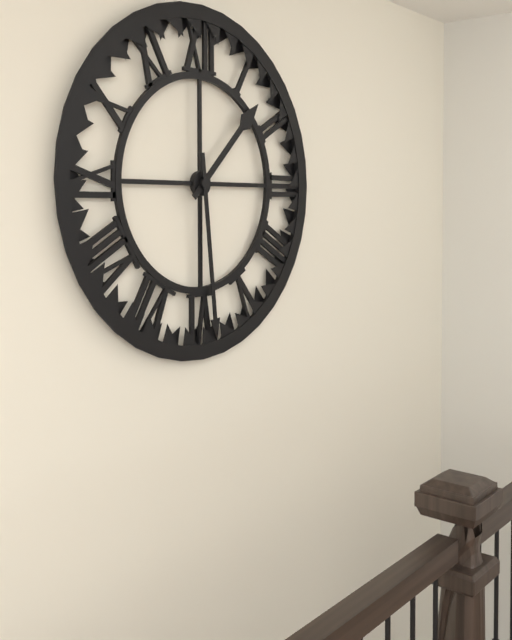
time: 1:29
